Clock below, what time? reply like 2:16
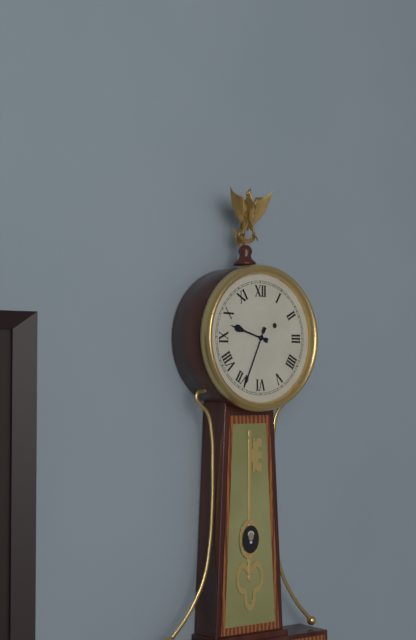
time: 9:34
